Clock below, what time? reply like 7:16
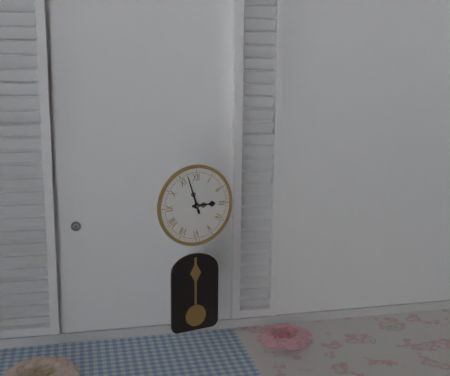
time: 2:57
